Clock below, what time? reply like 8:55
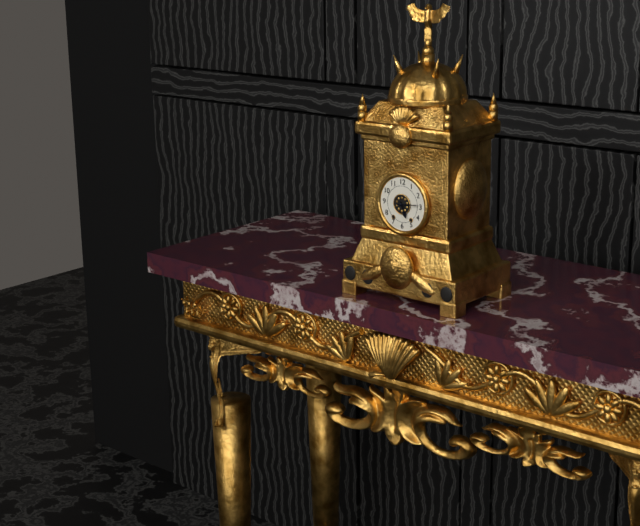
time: 5:14
